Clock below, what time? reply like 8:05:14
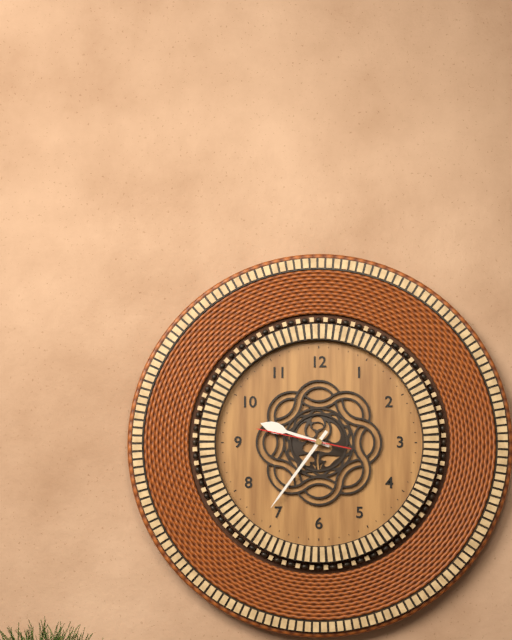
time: 9:36:47
